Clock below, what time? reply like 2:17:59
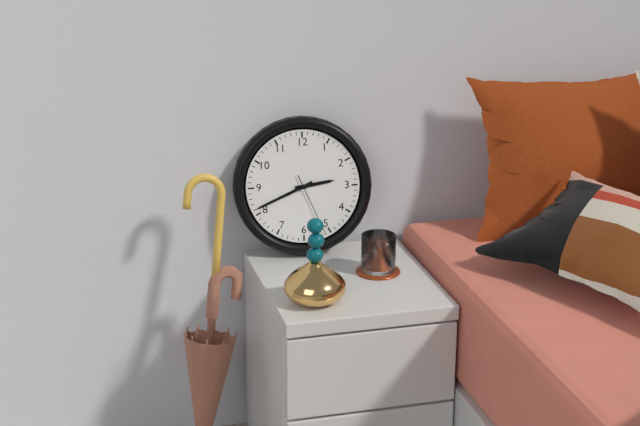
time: 2:41:26
